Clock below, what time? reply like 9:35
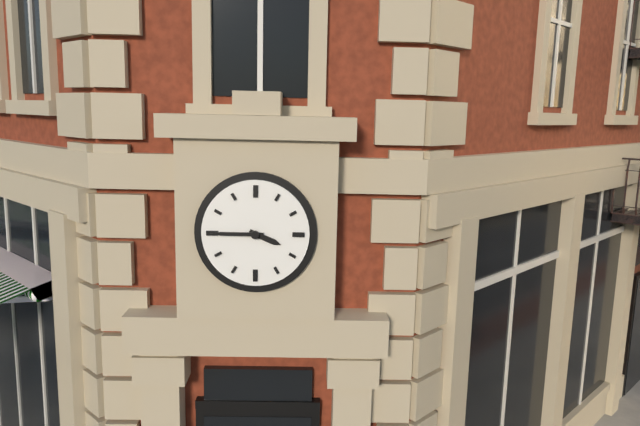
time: 3:45
